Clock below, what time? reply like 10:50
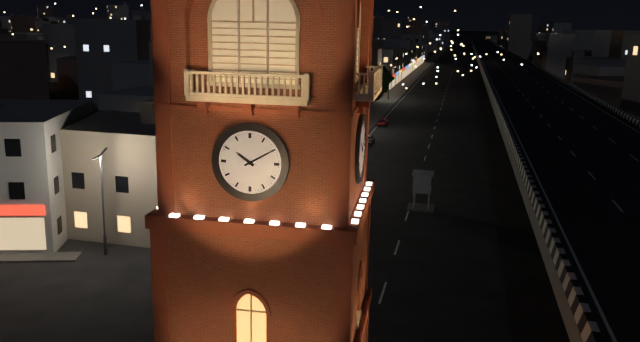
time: 10:10
